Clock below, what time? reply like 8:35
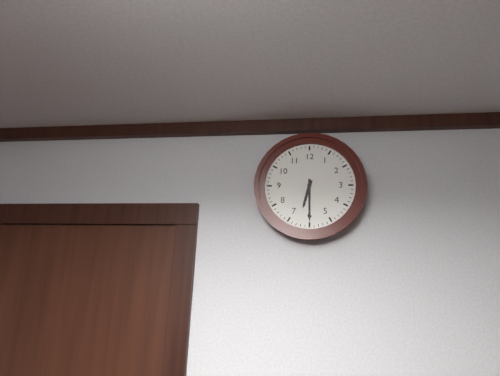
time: 6:30
